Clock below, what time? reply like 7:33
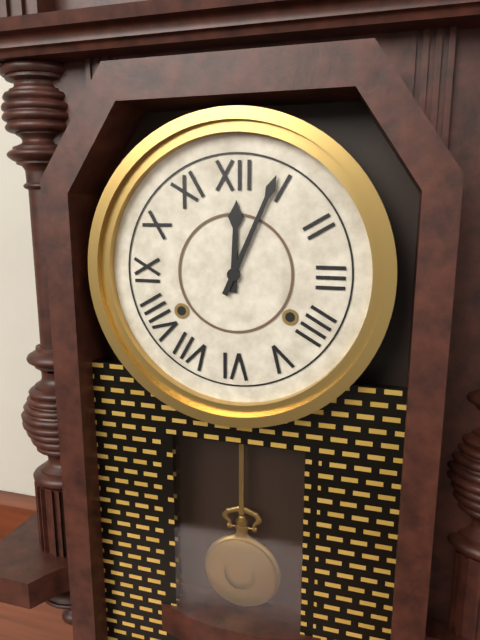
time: 12:04
